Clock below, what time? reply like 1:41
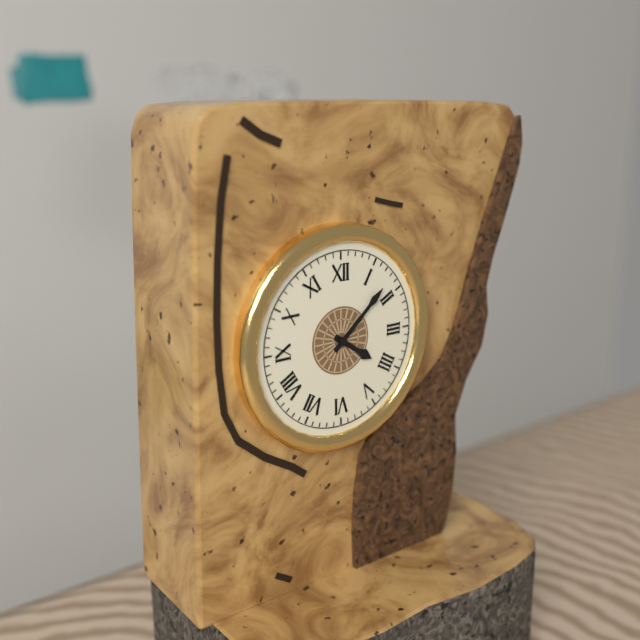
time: 4:08
